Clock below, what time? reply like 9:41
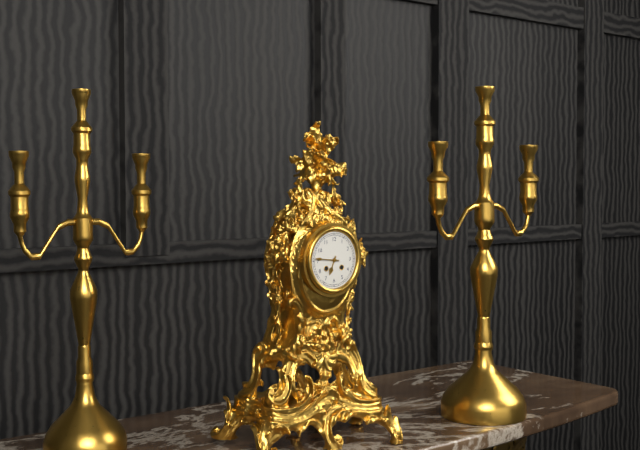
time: 6:46
